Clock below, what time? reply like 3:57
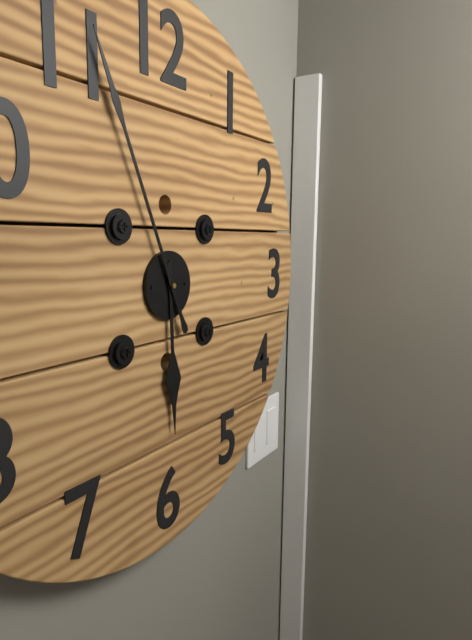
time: 5:56
